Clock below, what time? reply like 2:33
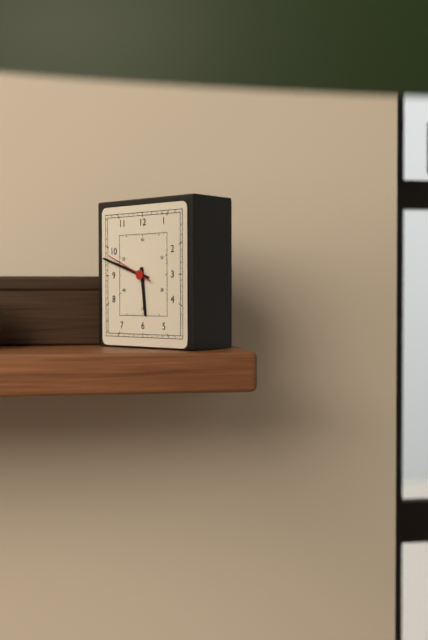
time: 5:48
